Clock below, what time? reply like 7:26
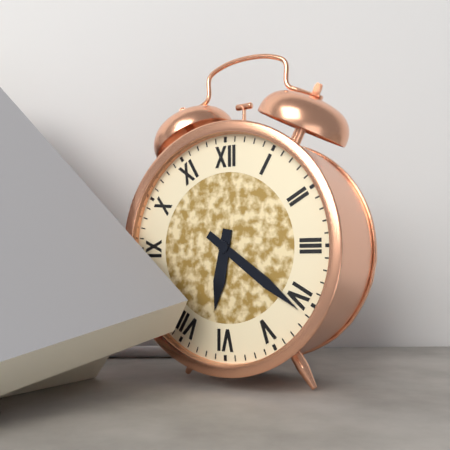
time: 6:21
